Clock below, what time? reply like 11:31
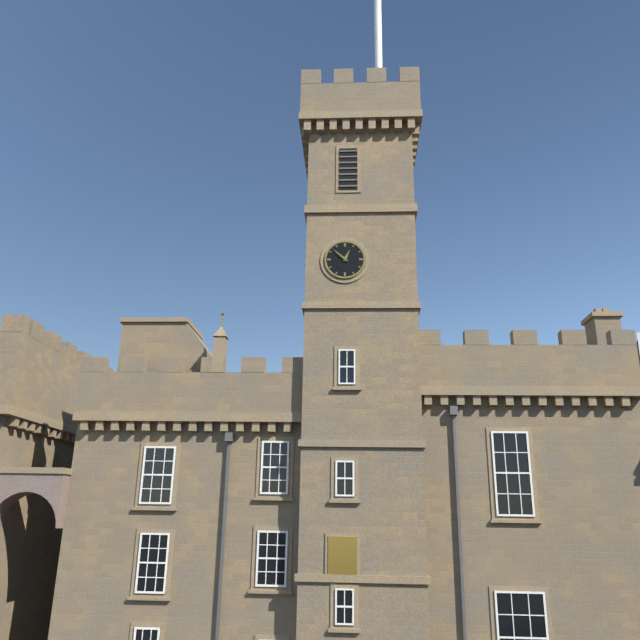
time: 12:52
